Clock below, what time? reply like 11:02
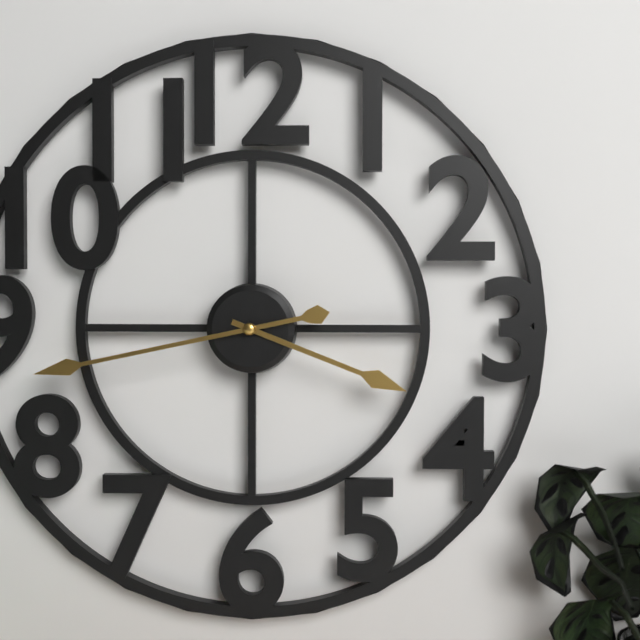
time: 3:43
